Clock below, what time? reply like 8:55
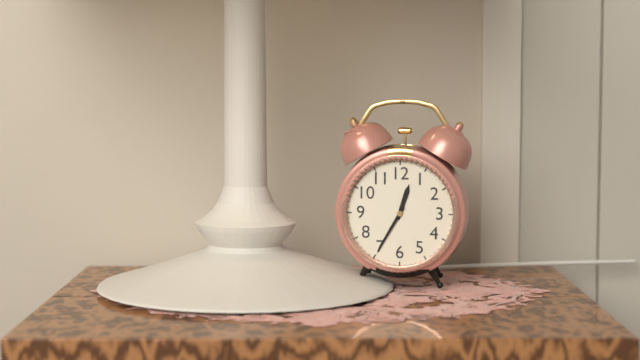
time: 12:35
